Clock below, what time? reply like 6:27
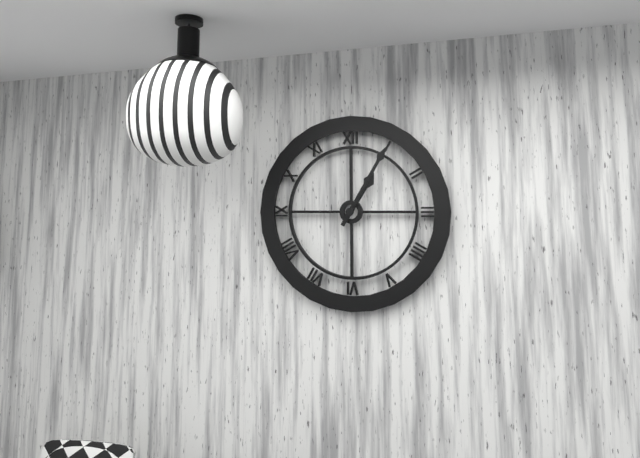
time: 1:05
